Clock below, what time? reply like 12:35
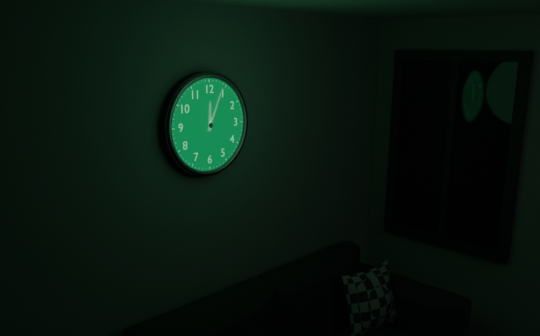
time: 12:04
